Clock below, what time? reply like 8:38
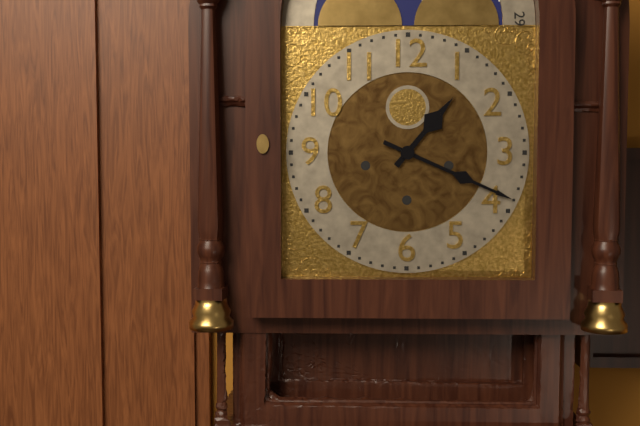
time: 1:19
